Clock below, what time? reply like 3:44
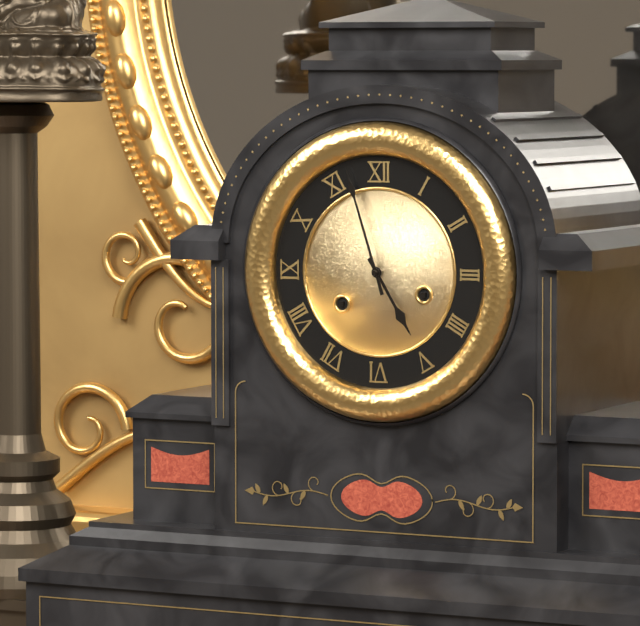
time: 4:57
